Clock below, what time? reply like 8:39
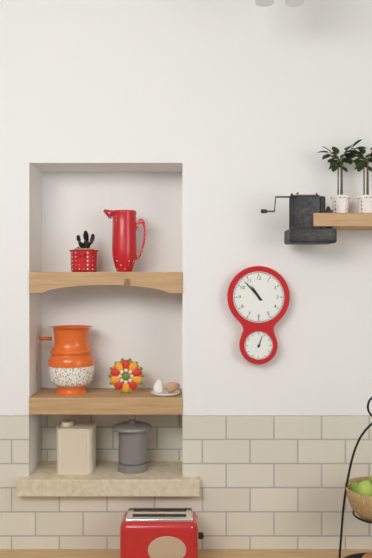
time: 10:53
